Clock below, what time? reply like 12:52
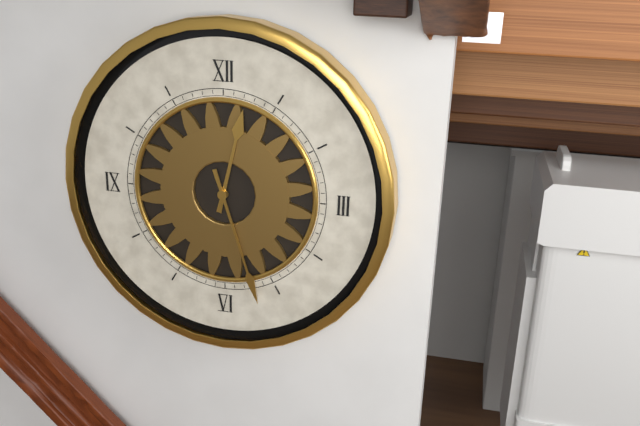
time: 12:27
